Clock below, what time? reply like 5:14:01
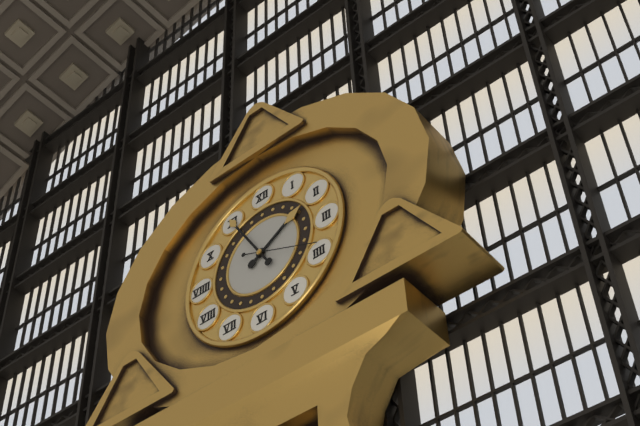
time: 1:55:19
